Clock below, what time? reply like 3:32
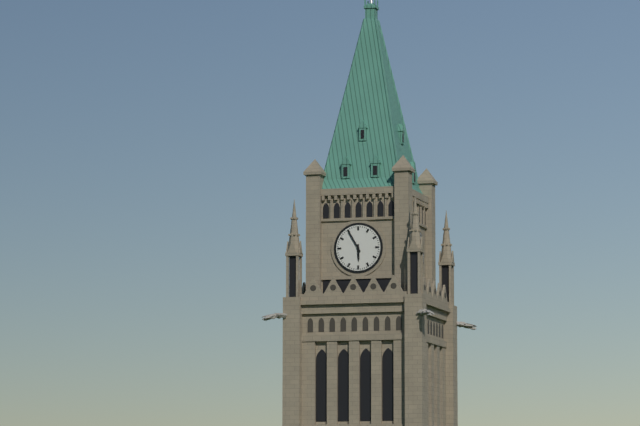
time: 5:55
